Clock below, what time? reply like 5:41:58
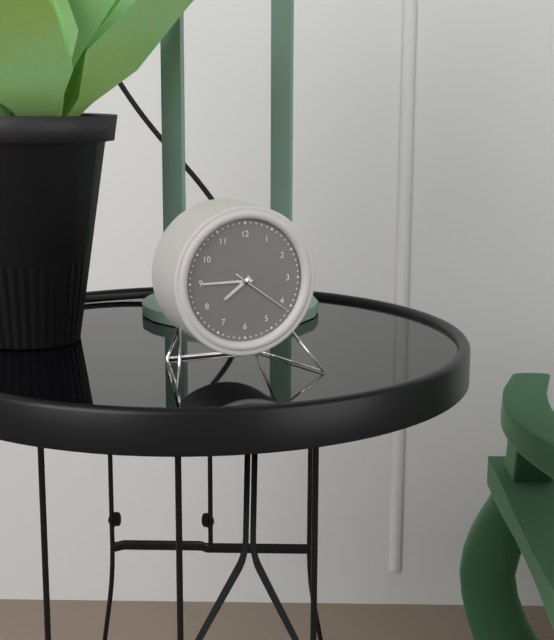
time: 7:45:21
